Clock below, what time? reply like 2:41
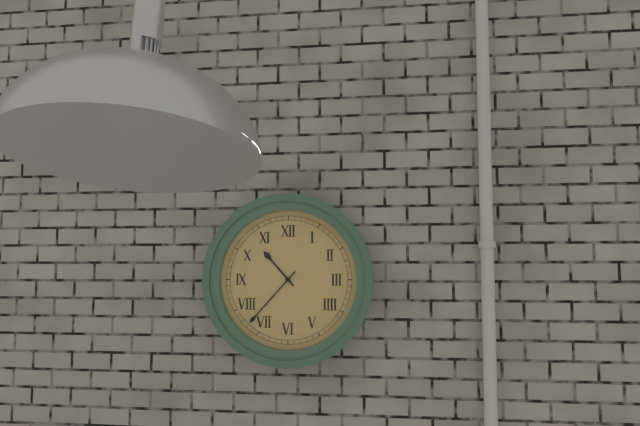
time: 10:37
